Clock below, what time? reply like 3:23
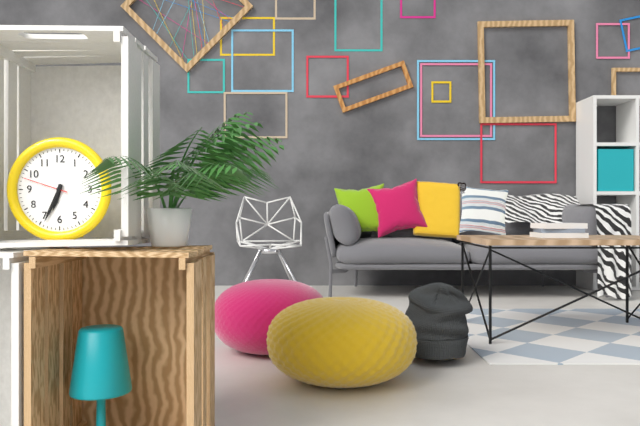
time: 6:34
